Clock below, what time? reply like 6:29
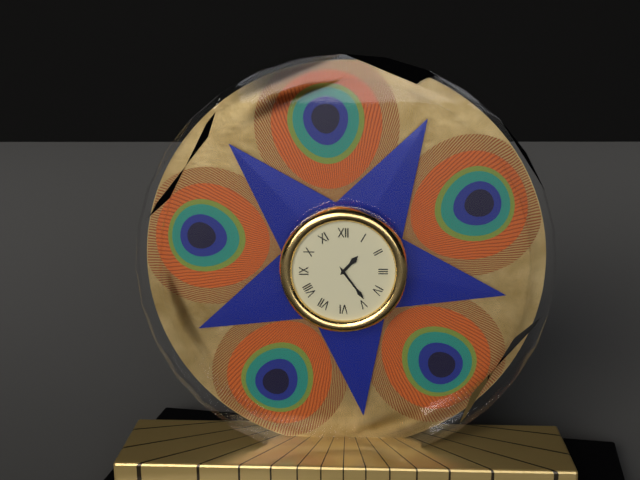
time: 1:24
